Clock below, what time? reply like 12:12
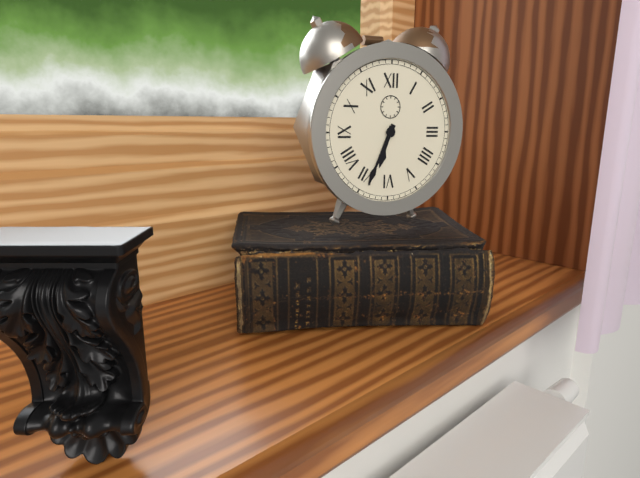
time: 6:34
